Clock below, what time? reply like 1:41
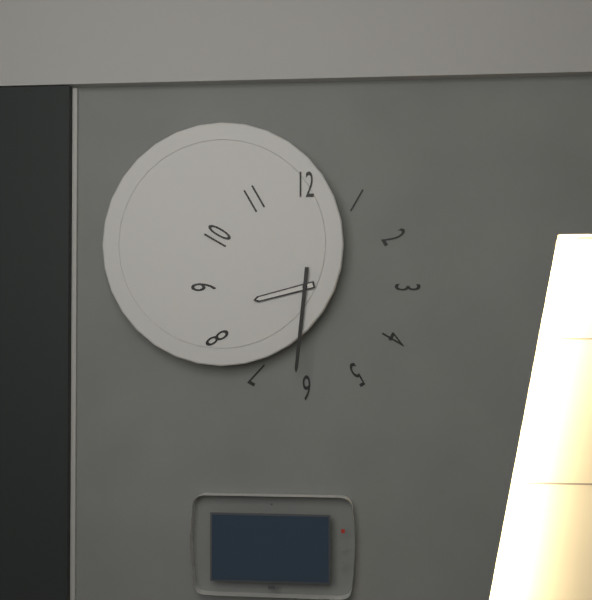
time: 8:31
